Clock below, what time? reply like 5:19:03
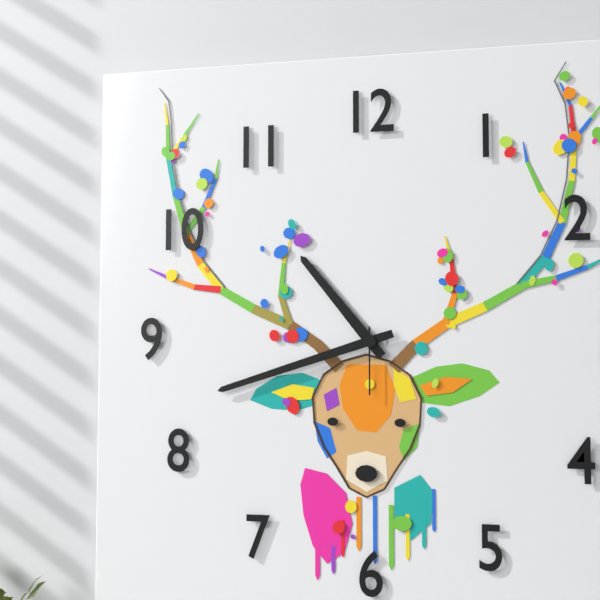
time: 10:42:30
